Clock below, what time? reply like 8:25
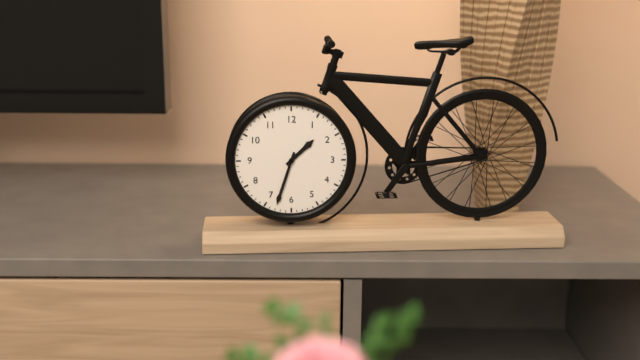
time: 1:33
